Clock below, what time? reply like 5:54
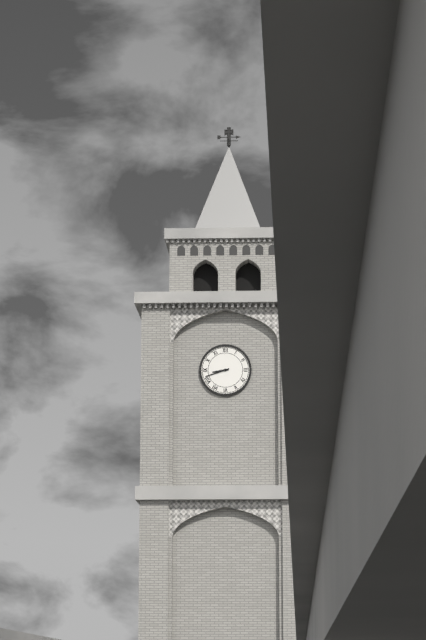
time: 8:42
